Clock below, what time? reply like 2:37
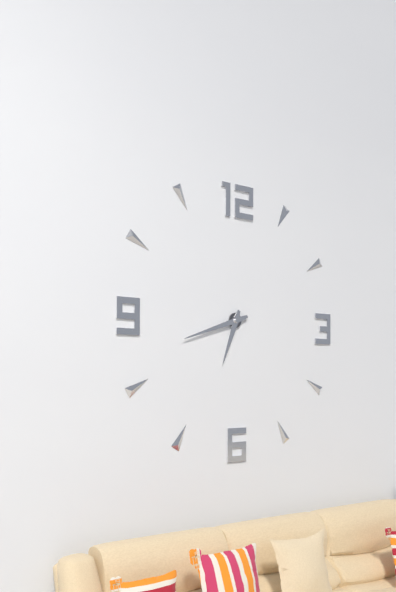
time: 6:42
